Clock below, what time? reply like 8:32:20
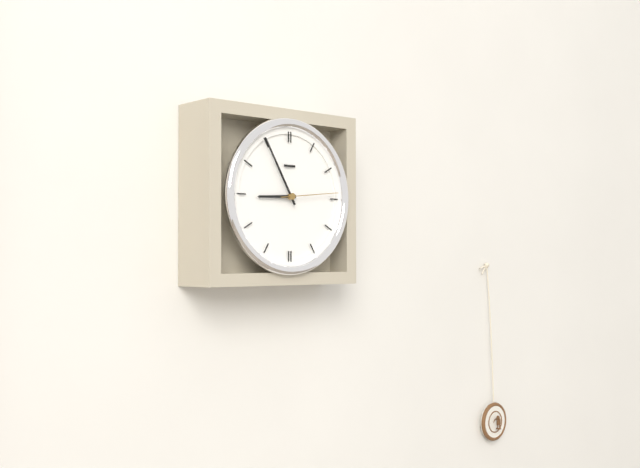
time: 8:55:14
